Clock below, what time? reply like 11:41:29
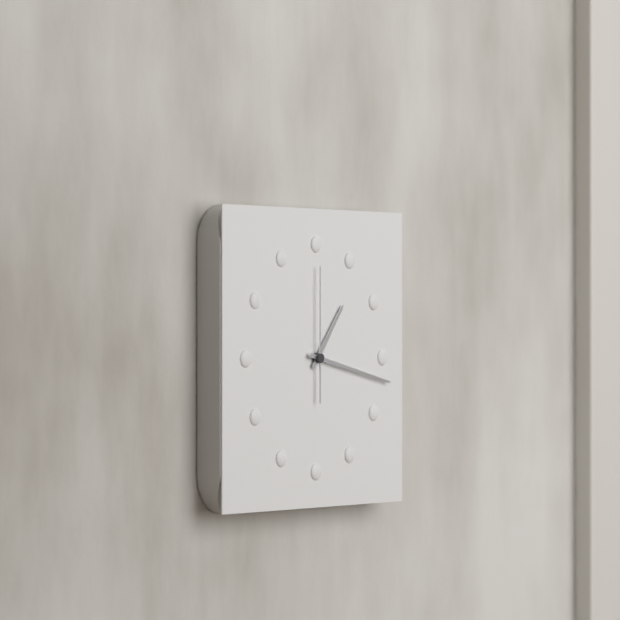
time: 1:17:00
